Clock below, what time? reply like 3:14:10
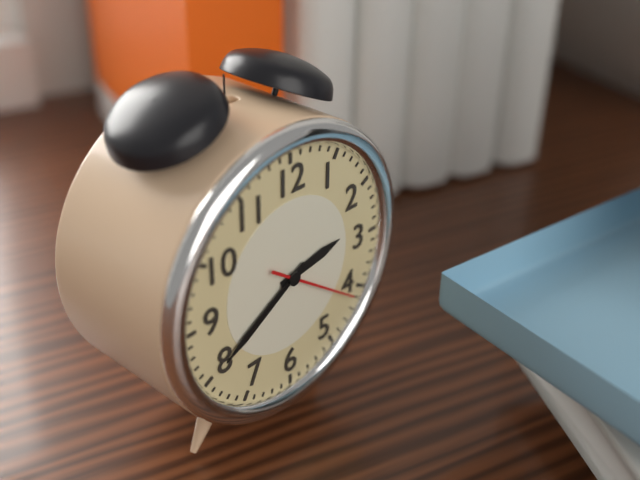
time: 2:40:21
